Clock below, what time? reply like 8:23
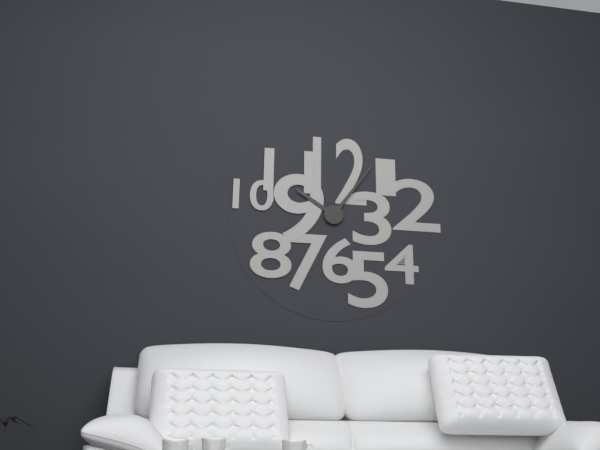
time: 10:06
